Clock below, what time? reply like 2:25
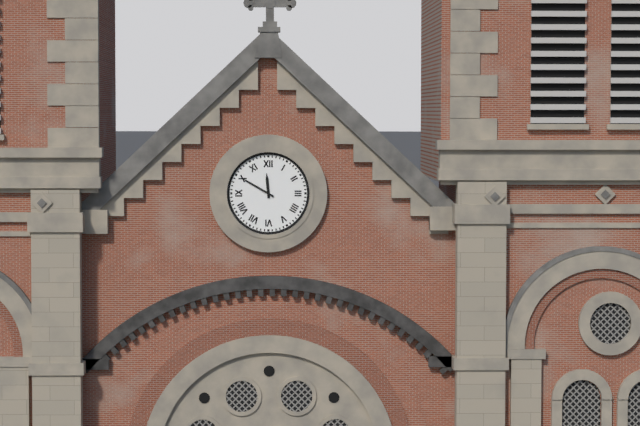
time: 11:50
